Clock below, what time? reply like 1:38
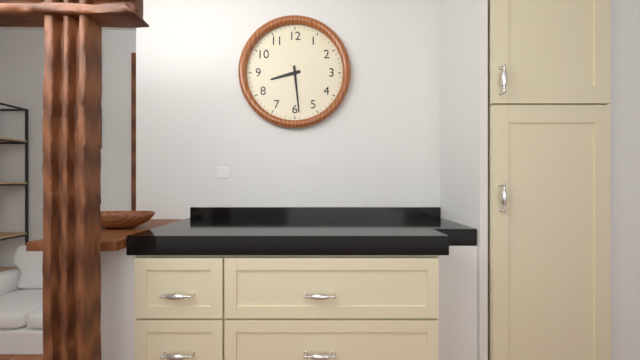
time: 8:29
